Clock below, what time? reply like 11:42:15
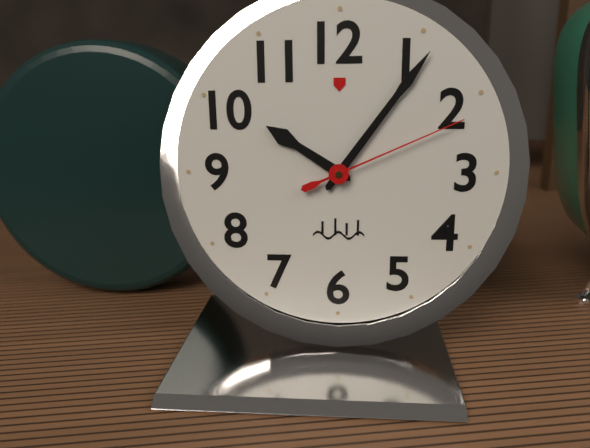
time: 10:06:11
